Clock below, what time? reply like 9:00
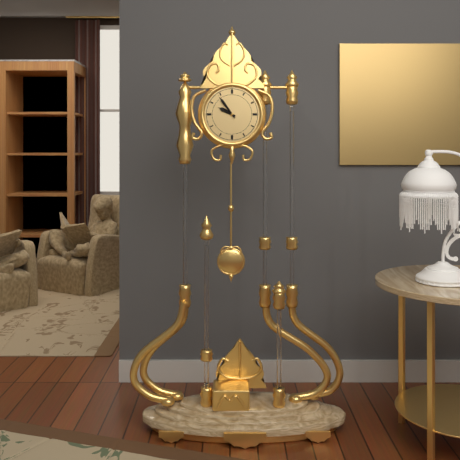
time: 9:54
